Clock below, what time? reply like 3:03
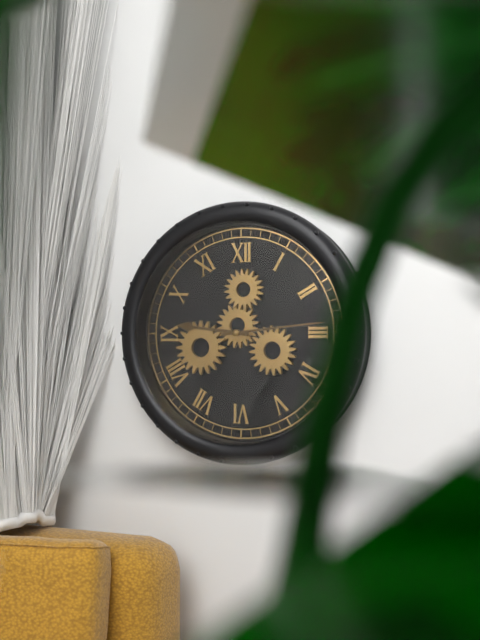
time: 9:14
